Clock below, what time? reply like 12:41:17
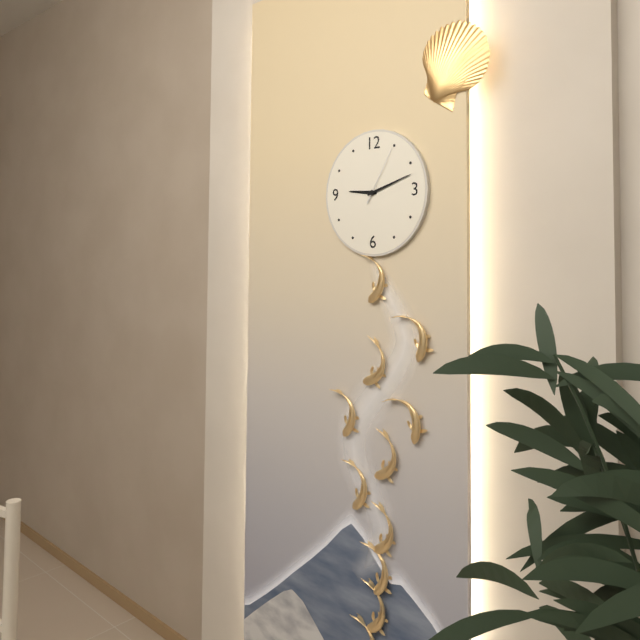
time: 9:12:05
